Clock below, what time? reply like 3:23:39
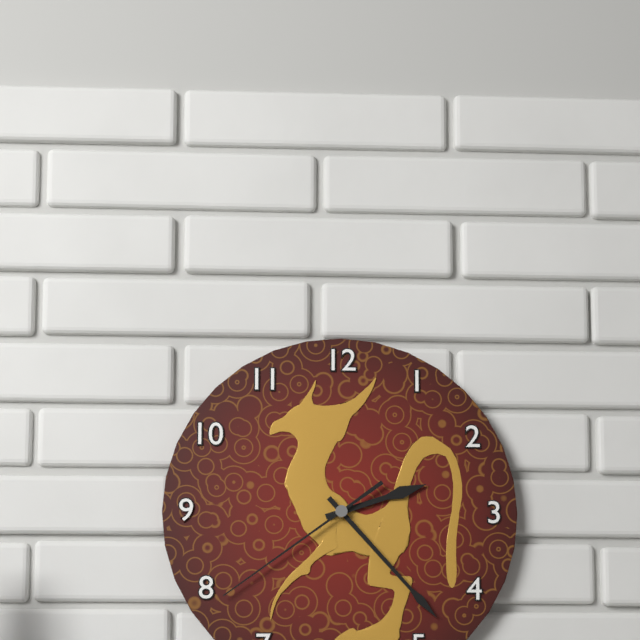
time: 2:23:39
